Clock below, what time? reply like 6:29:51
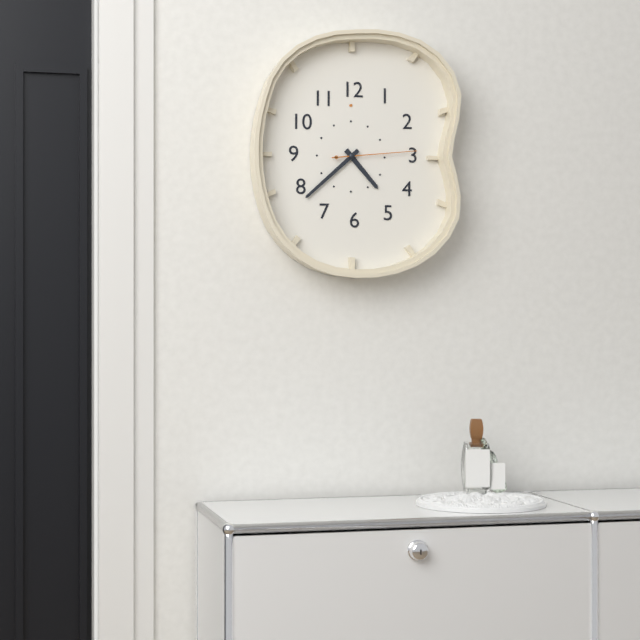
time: 4:38:14
